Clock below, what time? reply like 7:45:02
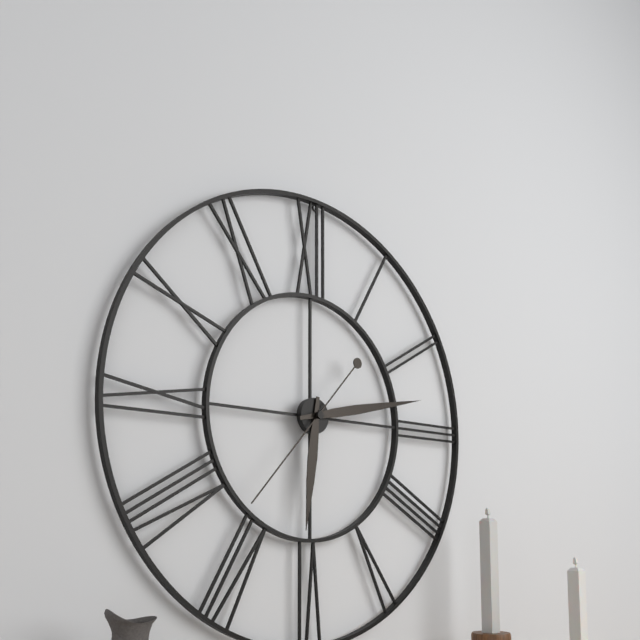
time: 6:13:37
